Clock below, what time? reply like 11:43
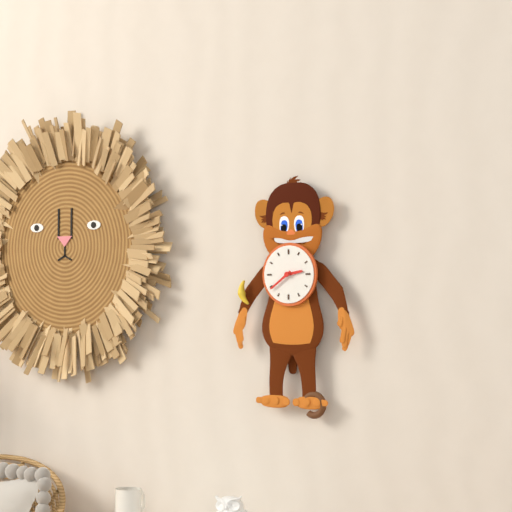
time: 2:39
